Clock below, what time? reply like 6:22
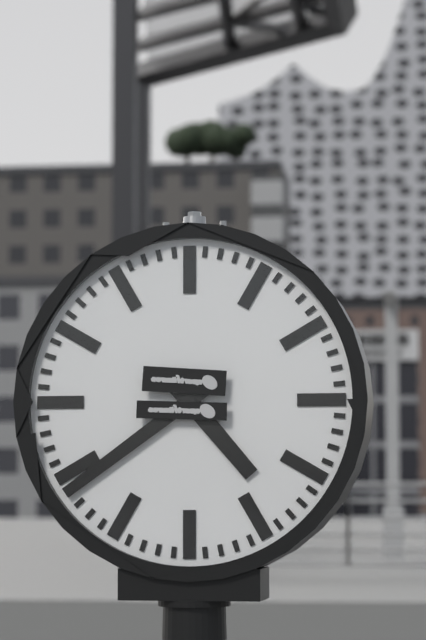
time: 4:39
